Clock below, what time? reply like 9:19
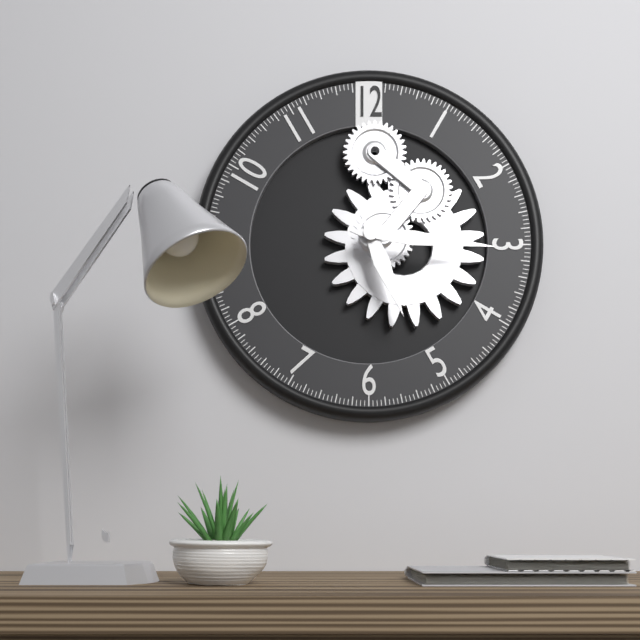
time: 5:16
